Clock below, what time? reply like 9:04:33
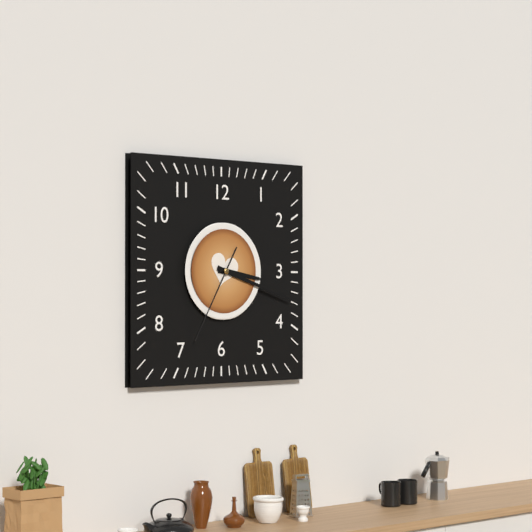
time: 3:18:35
